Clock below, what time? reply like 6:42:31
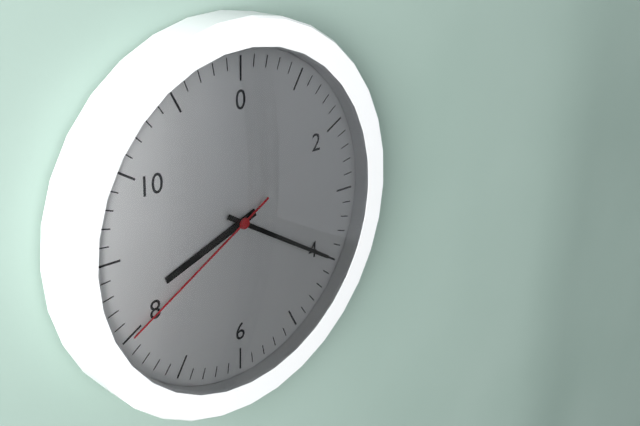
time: 8:20:40
